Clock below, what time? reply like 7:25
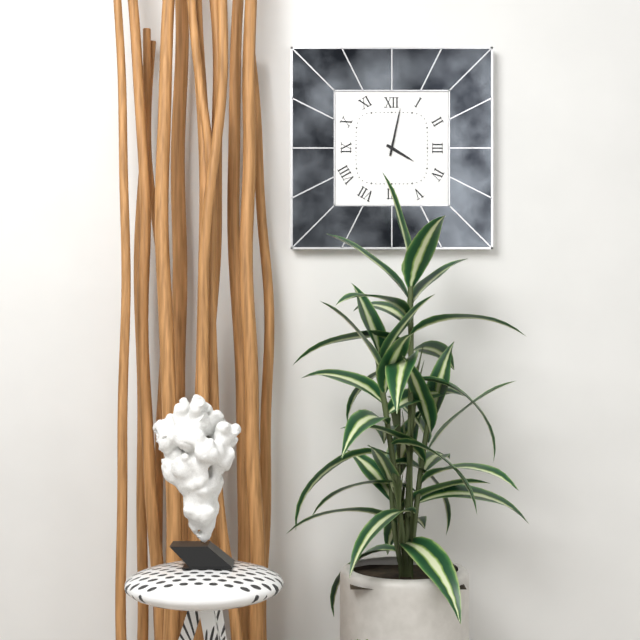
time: 4:02
